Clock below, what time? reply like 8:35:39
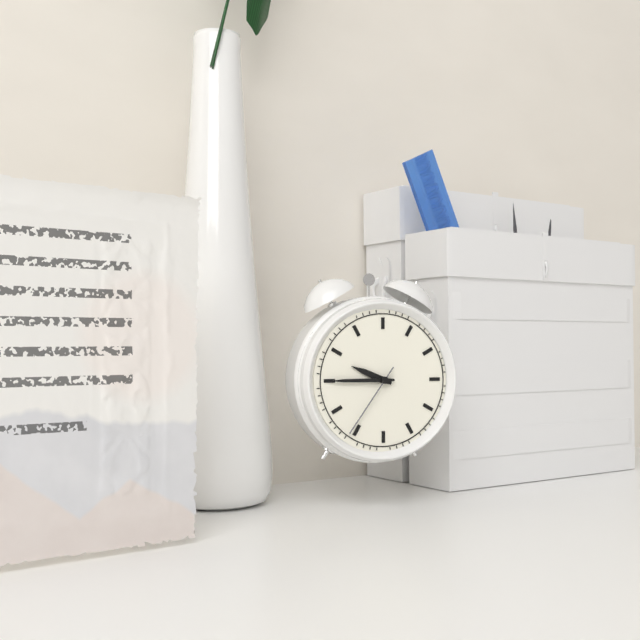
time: 9:45:36
